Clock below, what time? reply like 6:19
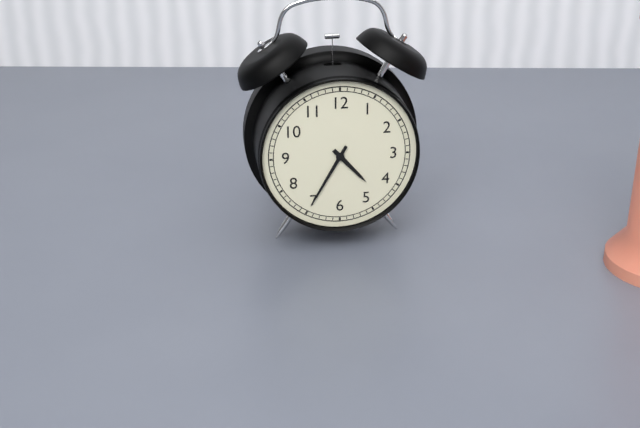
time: 4:35
